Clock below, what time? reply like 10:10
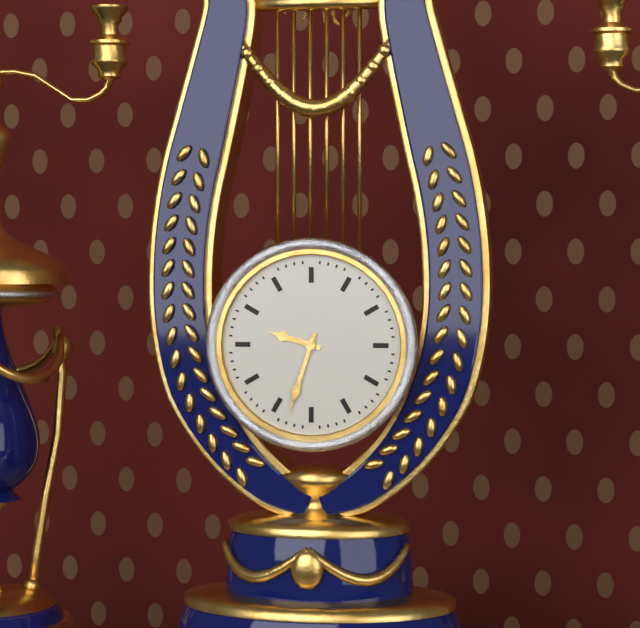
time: 9:33
